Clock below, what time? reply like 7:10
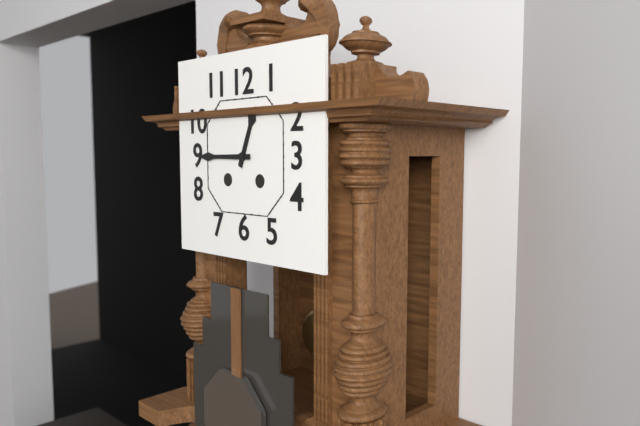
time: 12:45
